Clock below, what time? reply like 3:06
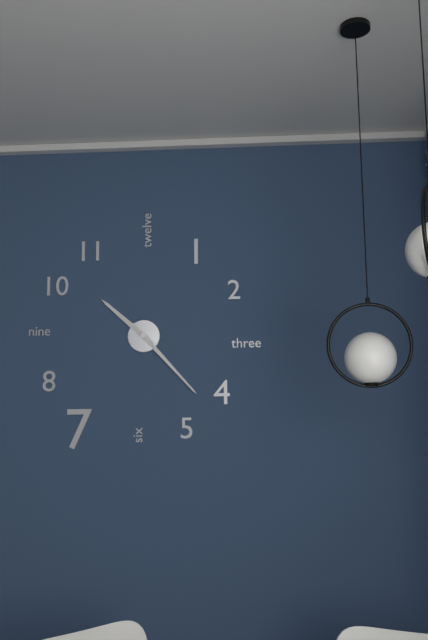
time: 10:23
